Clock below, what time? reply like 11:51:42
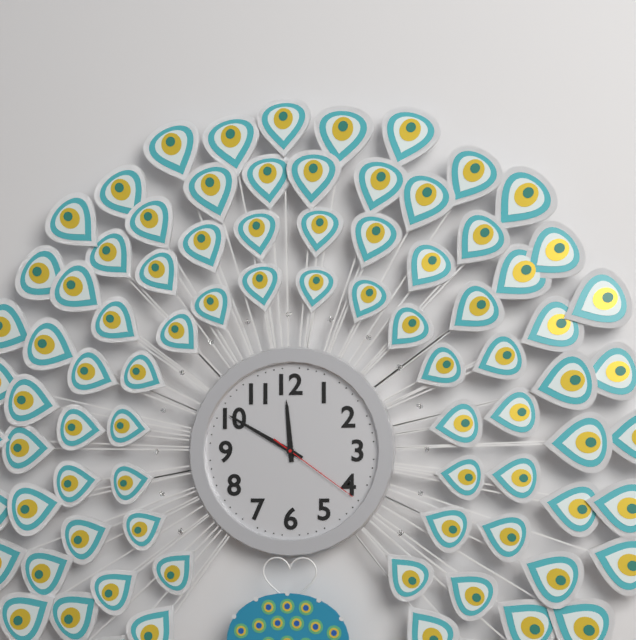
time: 11:50:21
